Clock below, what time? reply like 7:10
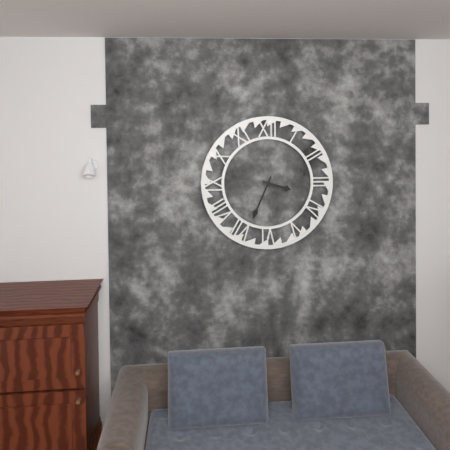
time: 3:34
